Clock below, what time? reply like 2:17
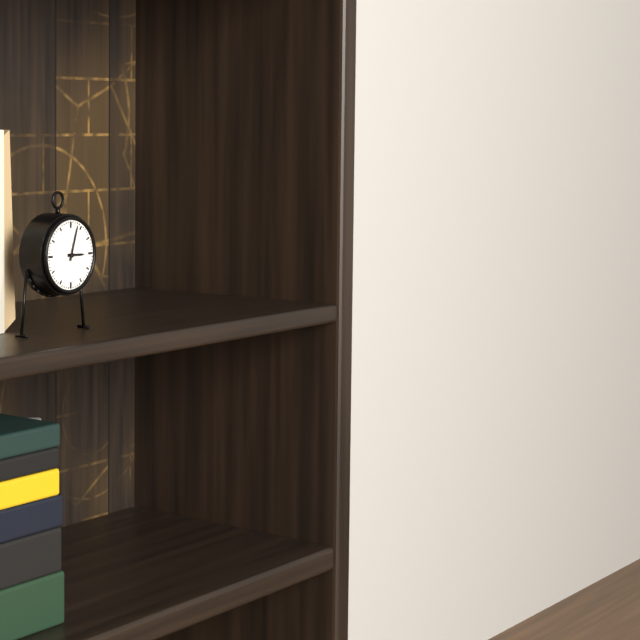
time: 3:03
